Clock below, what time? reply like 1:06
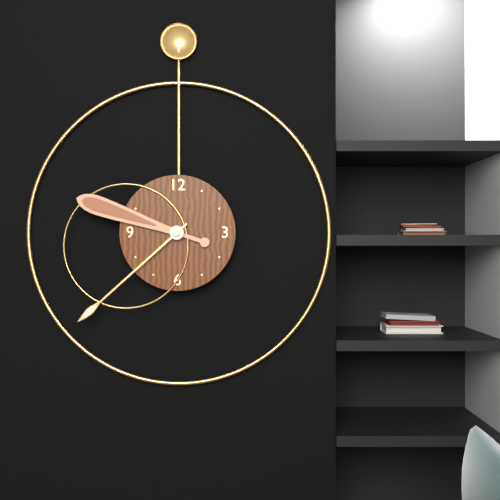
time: 9:38
